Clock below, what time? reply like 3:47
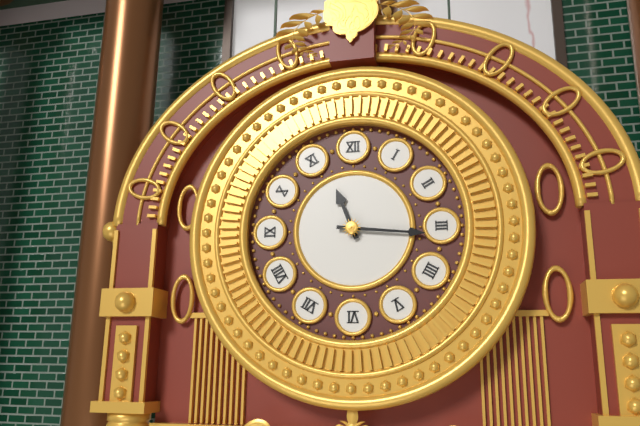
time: 11:16
